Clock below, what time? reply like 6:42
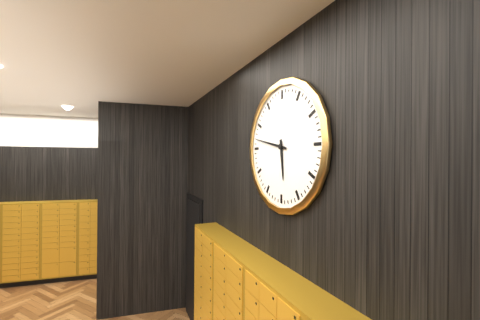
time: 5:47
